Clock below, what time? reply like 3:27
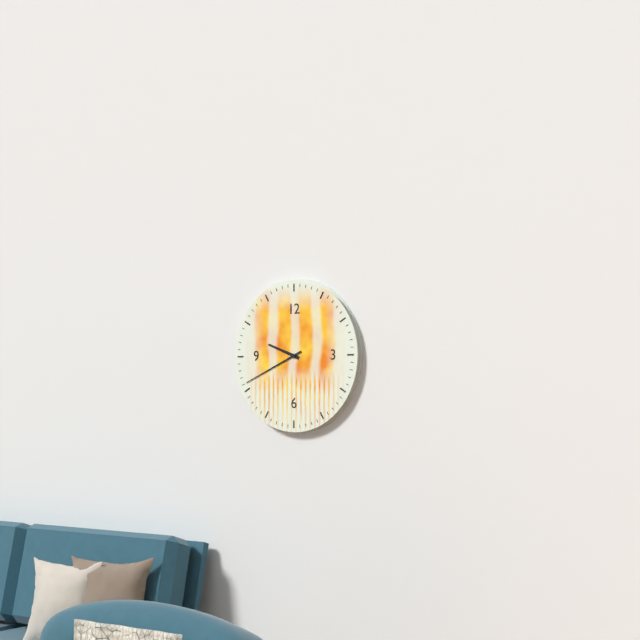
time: 9:41
